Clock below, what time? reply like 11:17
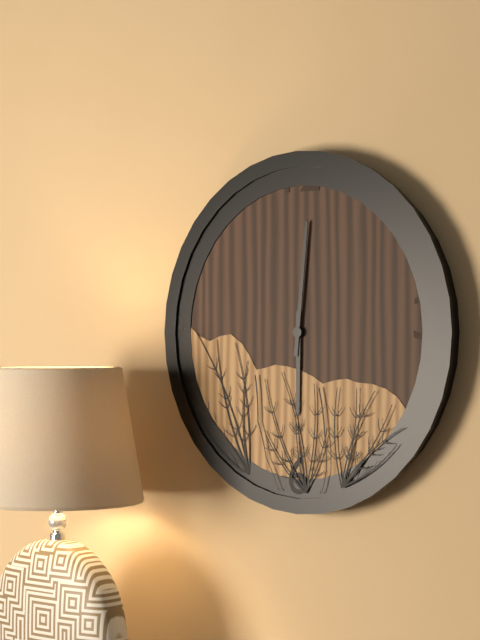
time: 6:01
